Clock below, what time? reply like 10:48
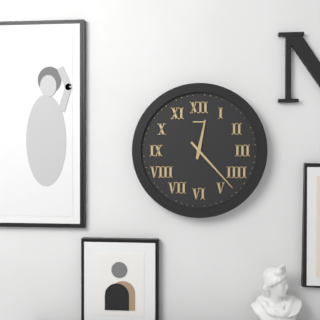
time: 12:23
